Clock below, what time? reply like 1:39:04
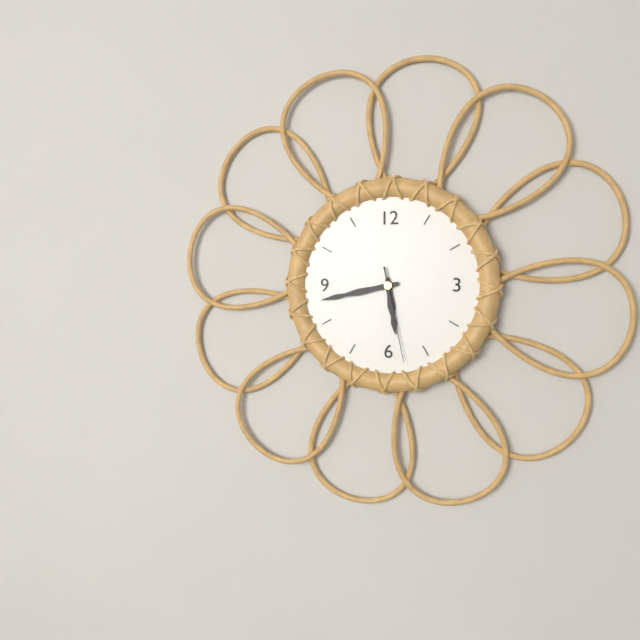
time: 5:43:28
